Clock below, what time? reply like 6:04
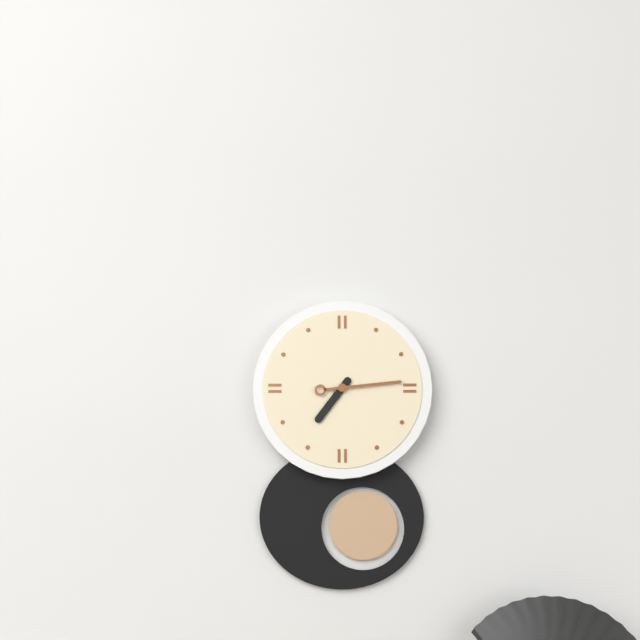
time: 7:14
